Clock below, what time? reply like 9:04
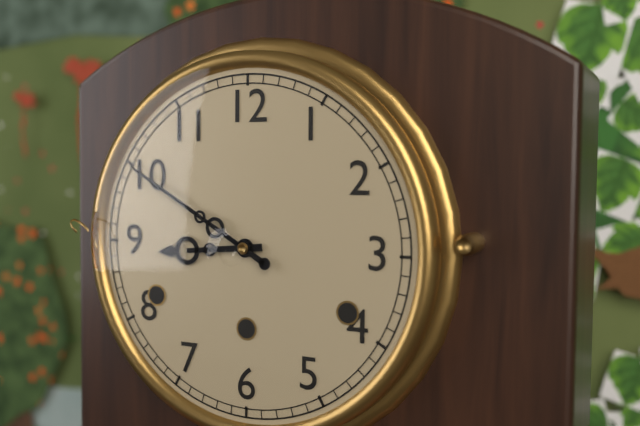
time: 8:50
